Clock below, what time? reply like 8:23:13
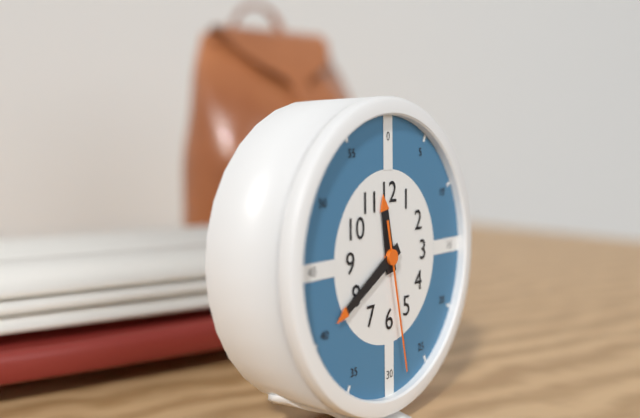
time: 11:40:28
